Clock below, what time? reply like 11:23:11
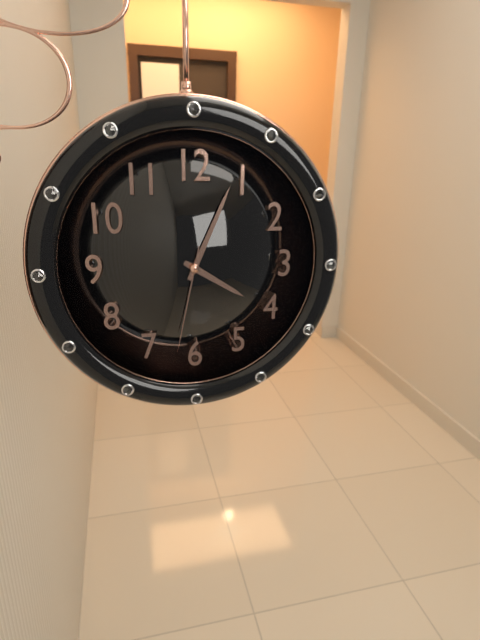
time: 4:04:32
